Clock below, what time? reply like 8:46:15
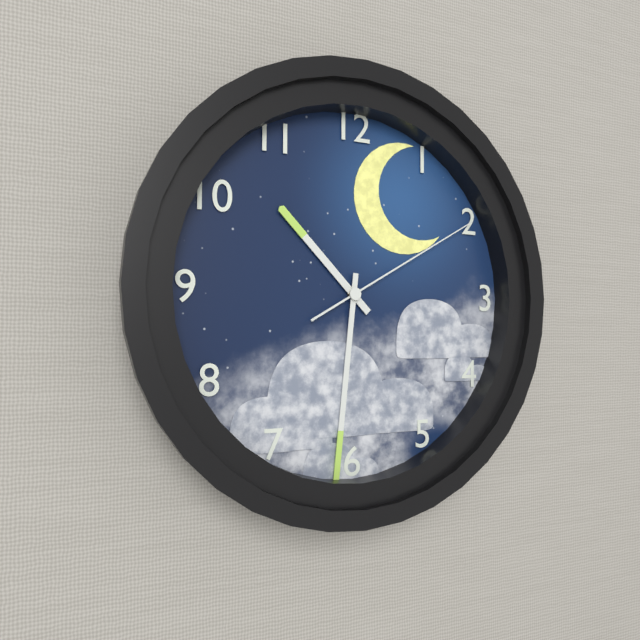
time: 10:31:10
